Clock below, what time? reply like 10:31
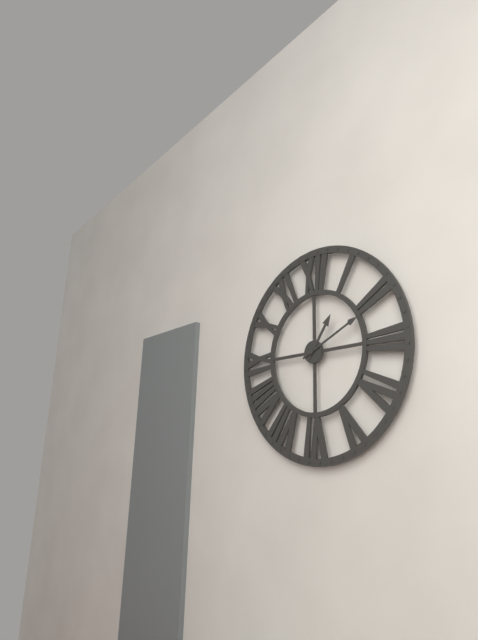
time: 1:11
